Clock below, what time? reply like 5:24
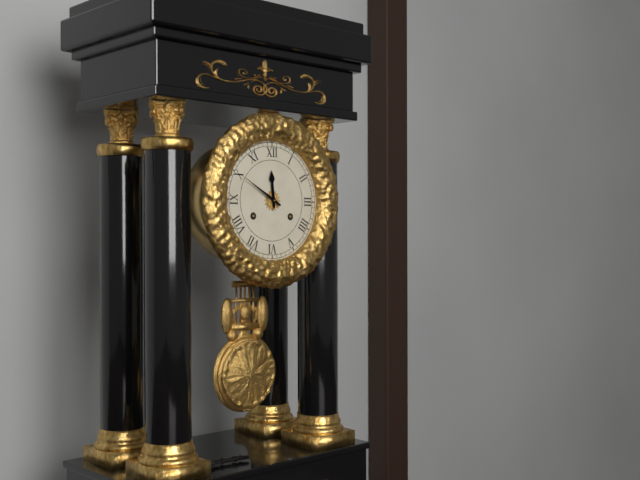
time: 11:50
